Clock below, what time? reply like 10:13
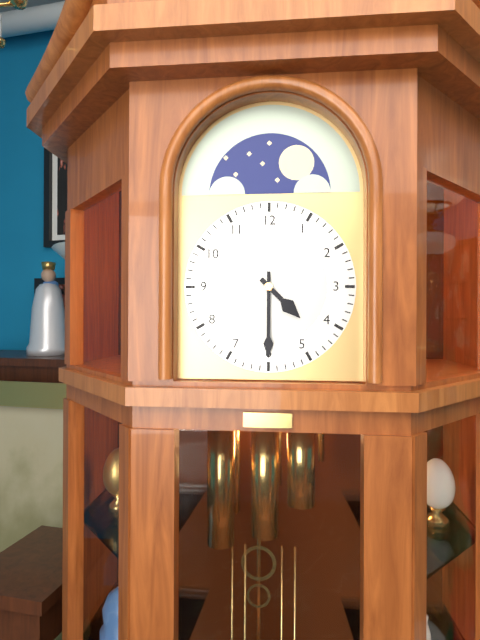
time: 4:30
